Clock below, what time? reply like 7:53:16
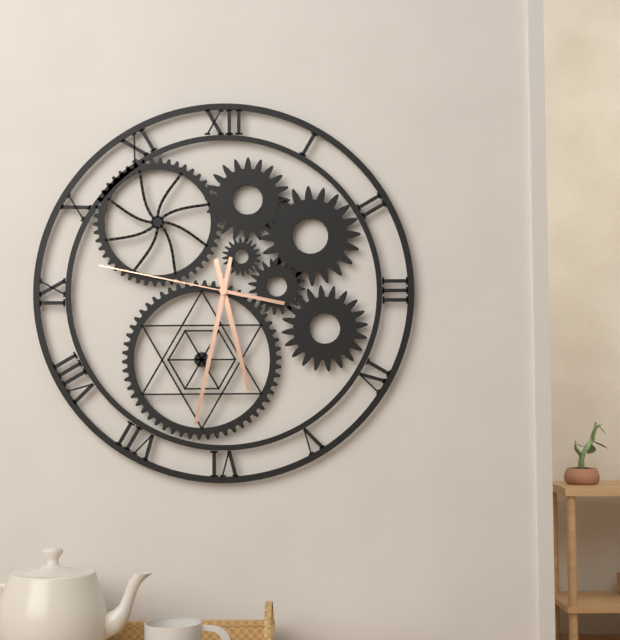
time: 5:32:47
